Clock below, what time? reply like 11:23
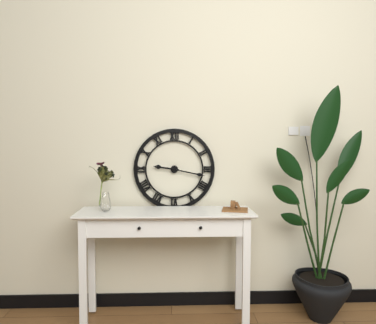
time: 9:17
